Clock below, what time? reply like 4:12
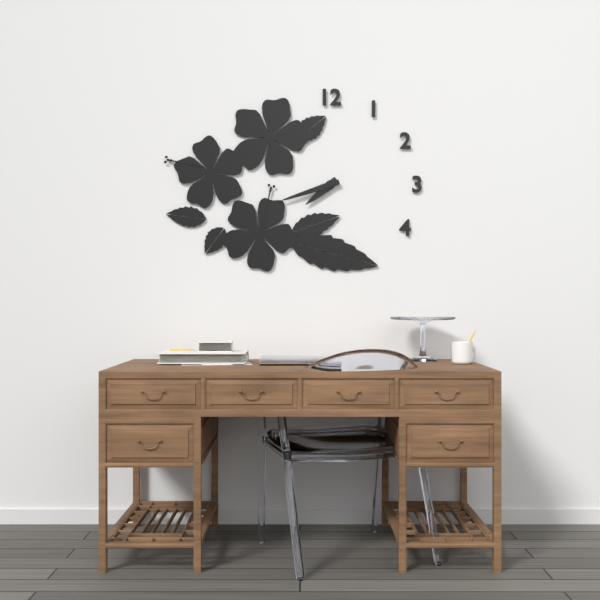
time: 7:42
